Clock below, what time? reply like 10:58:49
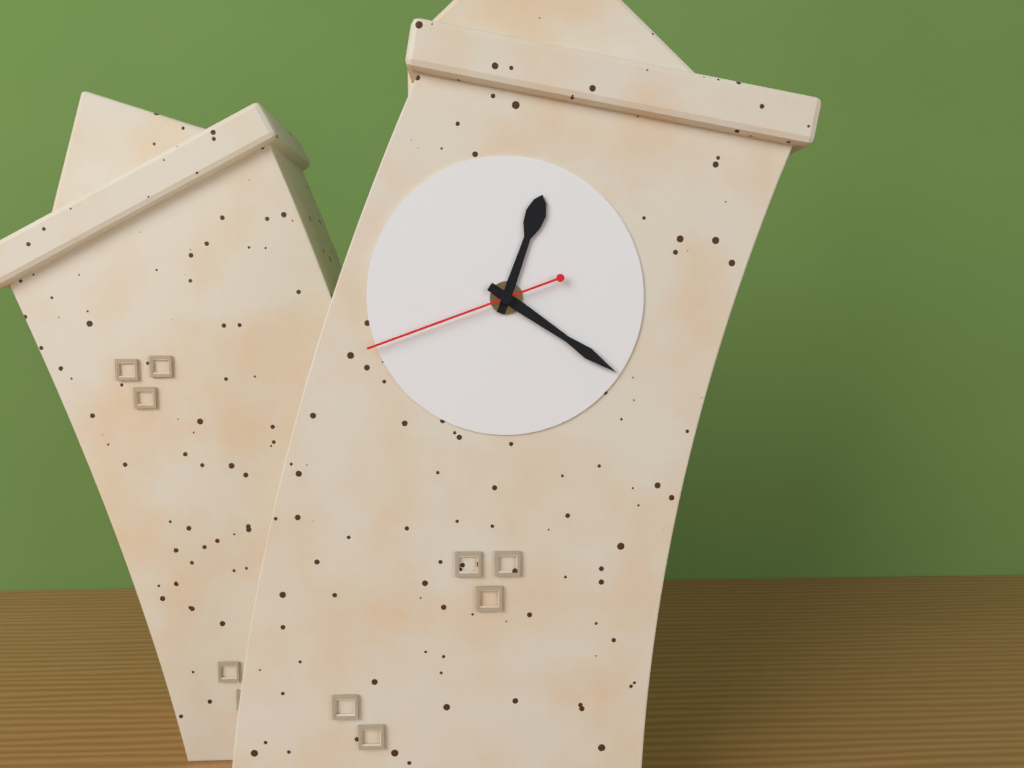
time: 12:19:40
